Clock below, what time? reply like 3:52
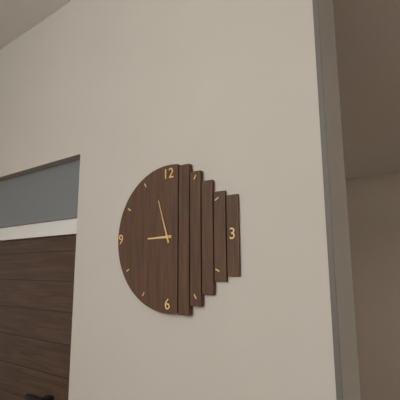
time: 8:57
